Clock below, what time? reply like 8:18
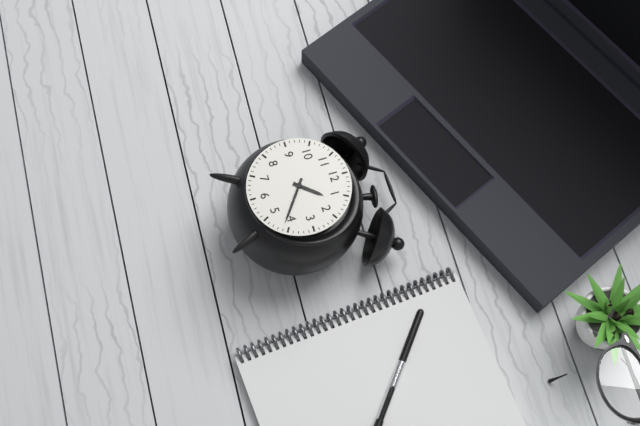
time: 1:21
